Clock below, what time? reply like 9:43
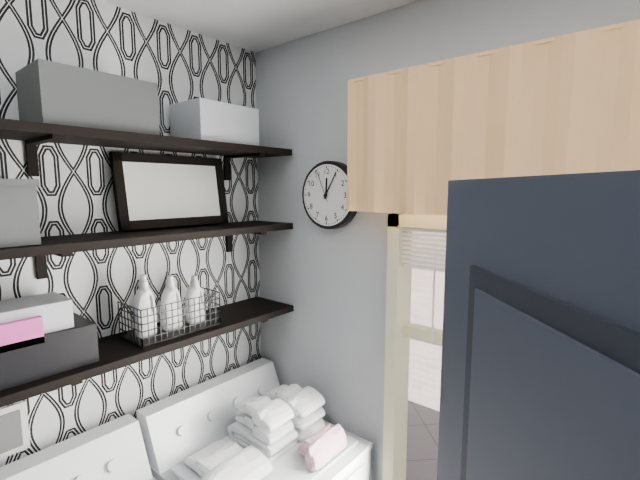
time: 12:05
